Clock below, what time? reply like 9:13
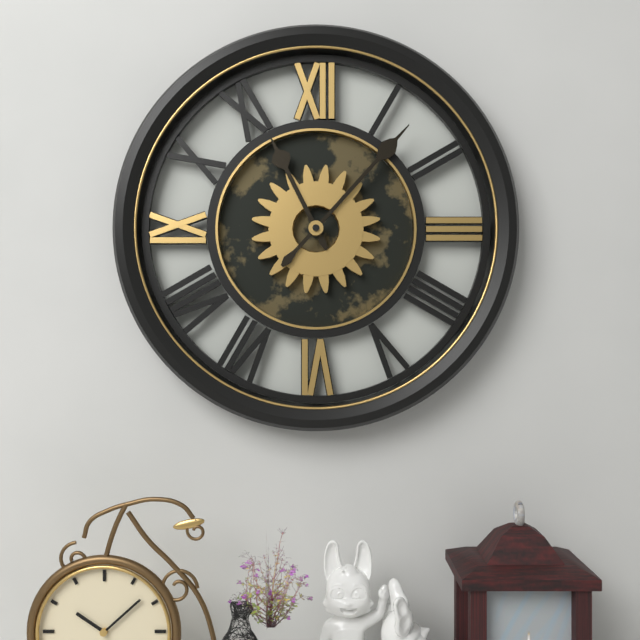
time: 11:07
